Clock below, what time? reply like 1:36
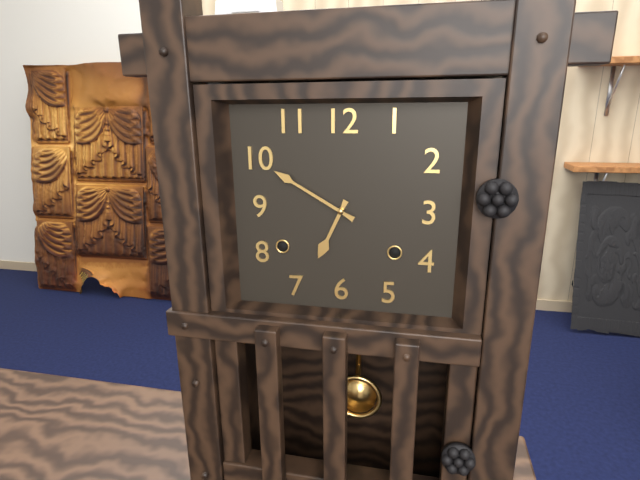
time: 6:50
